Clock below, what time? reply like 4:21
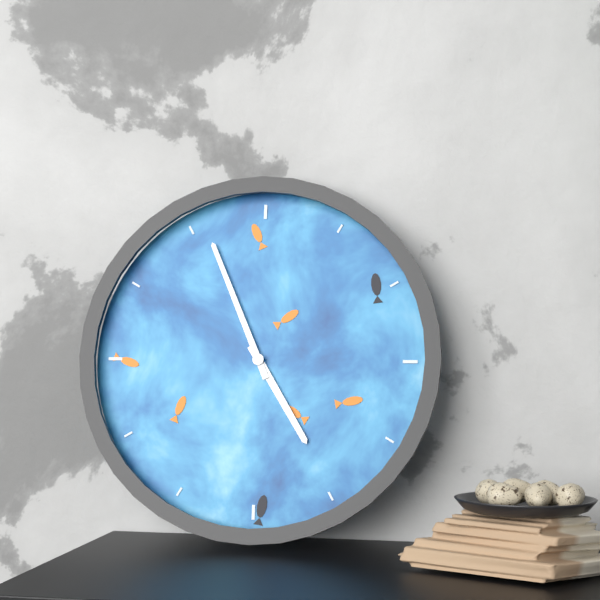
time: 4:56
